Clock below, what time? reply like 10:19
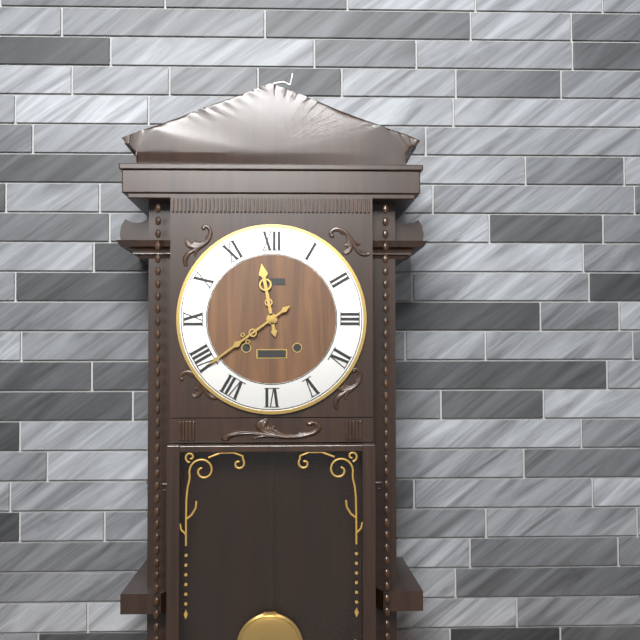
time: 11:39
